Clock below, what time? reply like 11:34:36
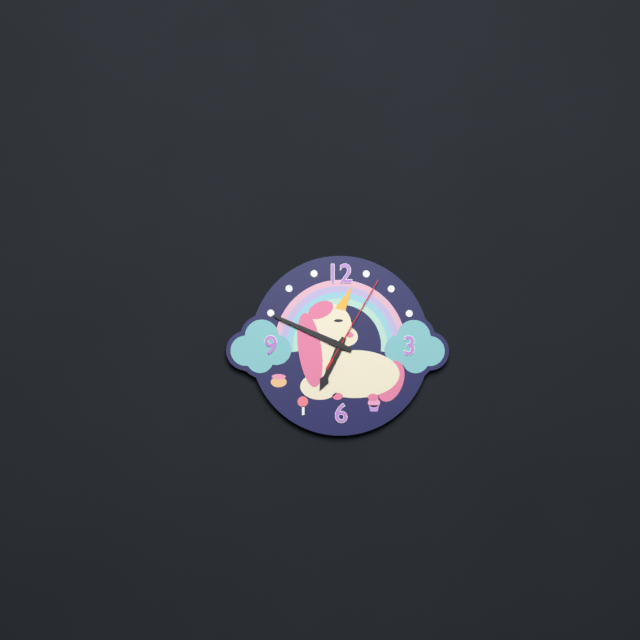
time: 6:49:05
